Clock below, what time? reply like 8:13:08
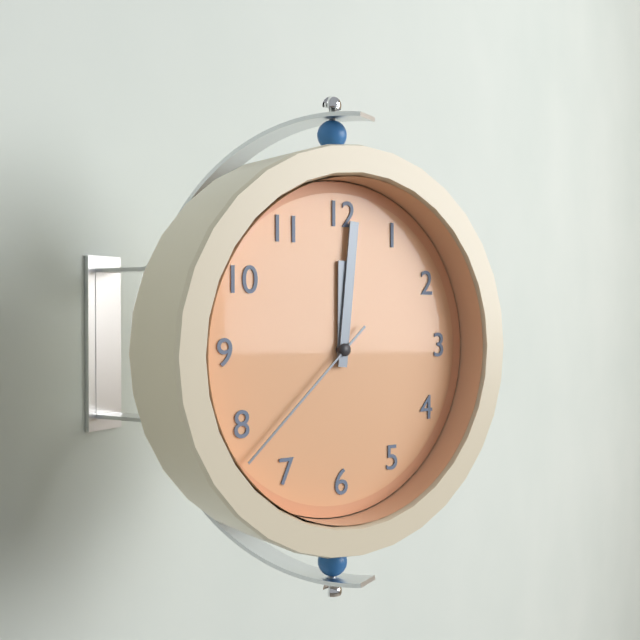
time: 12:01:38
